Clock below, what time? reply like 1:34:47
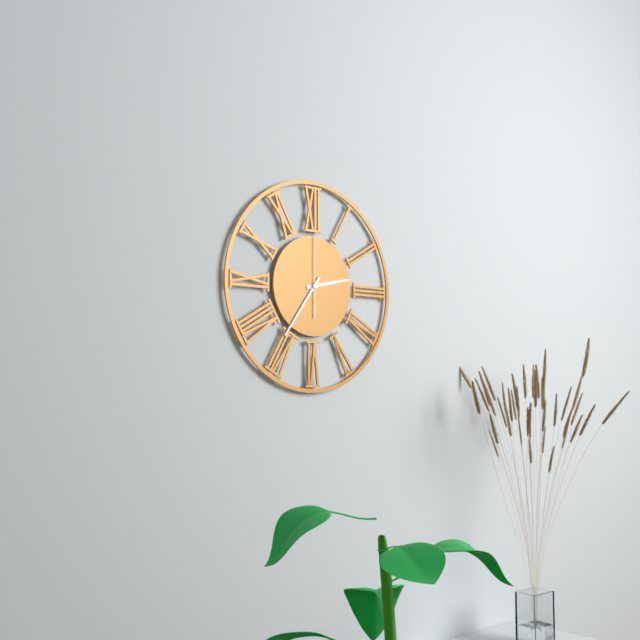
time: 2:36:00
